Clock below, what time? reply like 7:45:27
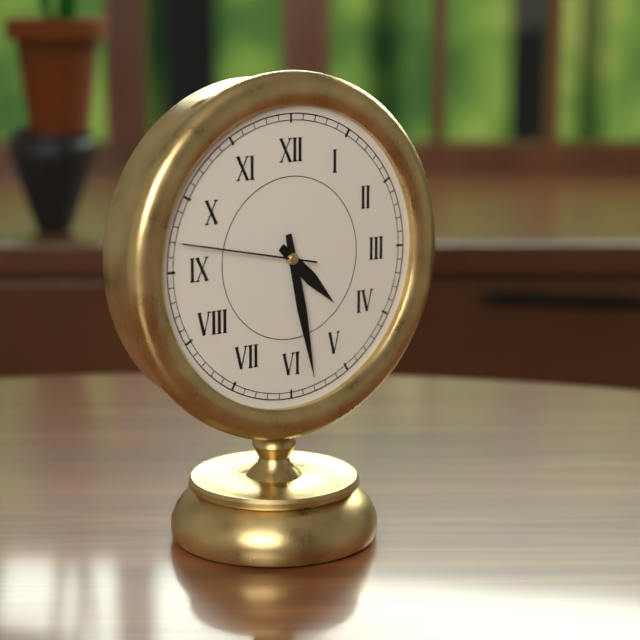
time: 4:28:47
